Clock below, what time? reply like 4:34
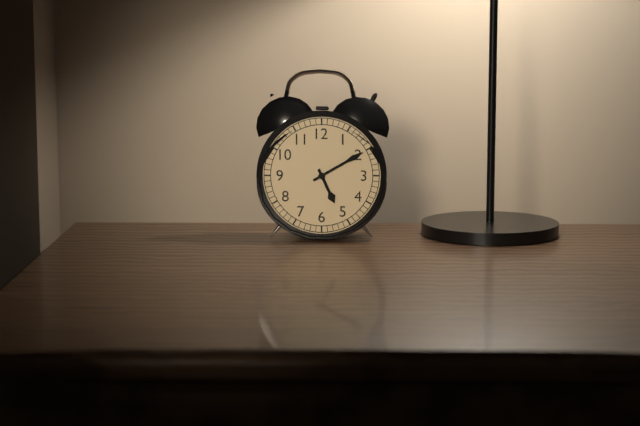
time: 5:10
